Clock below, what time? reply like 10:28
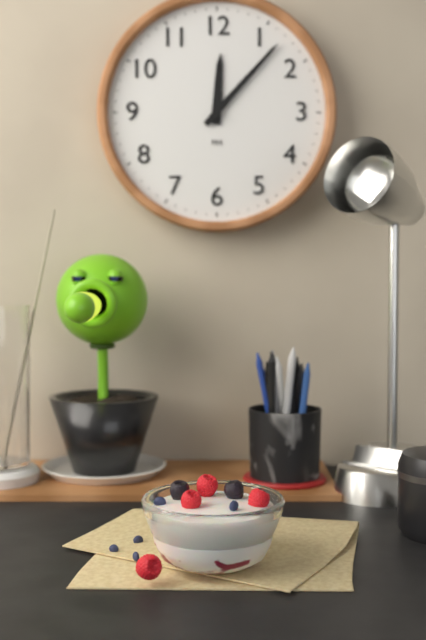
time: 12:07
